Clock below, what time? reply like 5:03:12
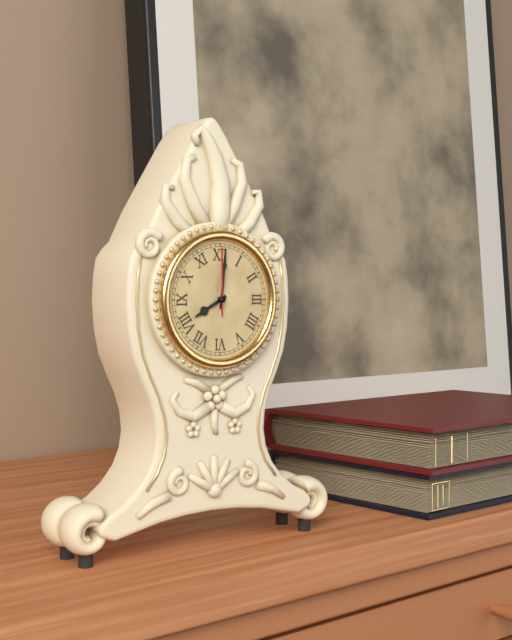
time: 8:01:00
